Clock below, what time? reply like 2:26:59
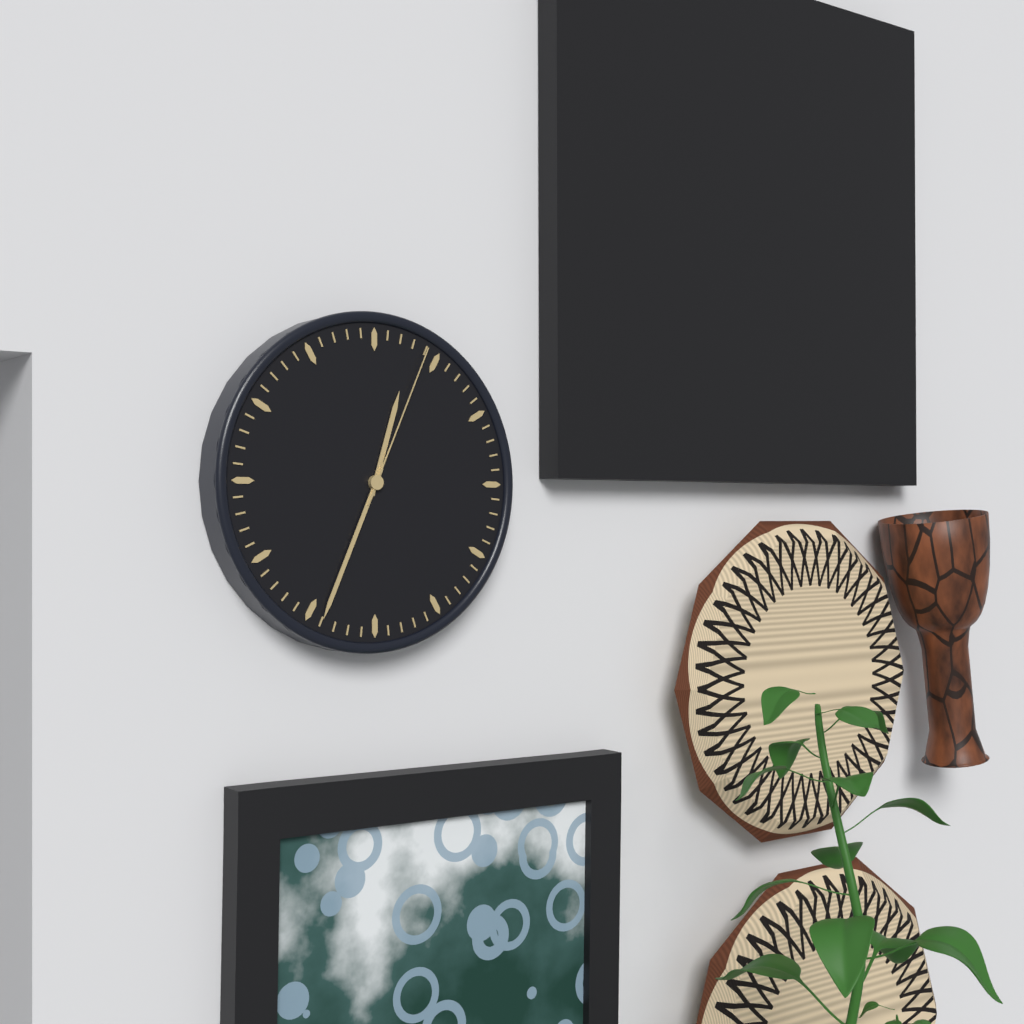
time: 12:34:04
